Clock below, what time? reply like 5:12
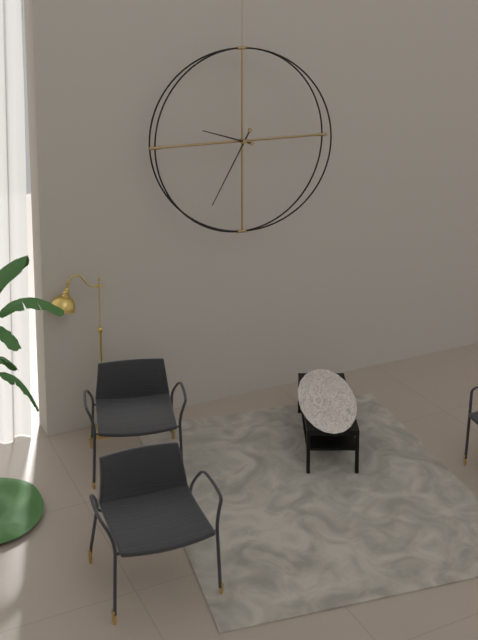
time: 9:35
